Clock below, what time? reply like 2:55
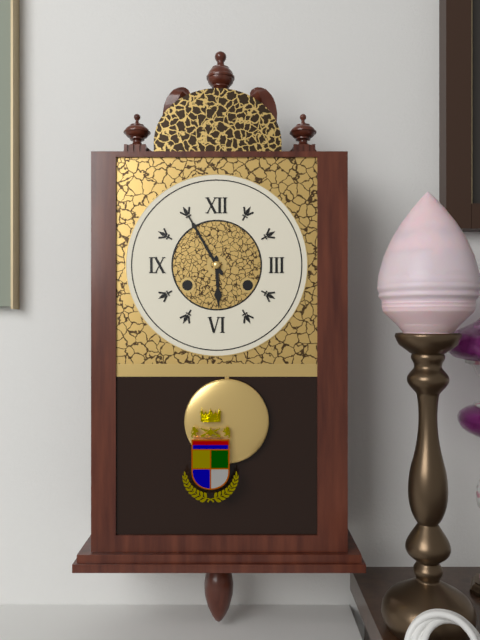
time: 5:55
